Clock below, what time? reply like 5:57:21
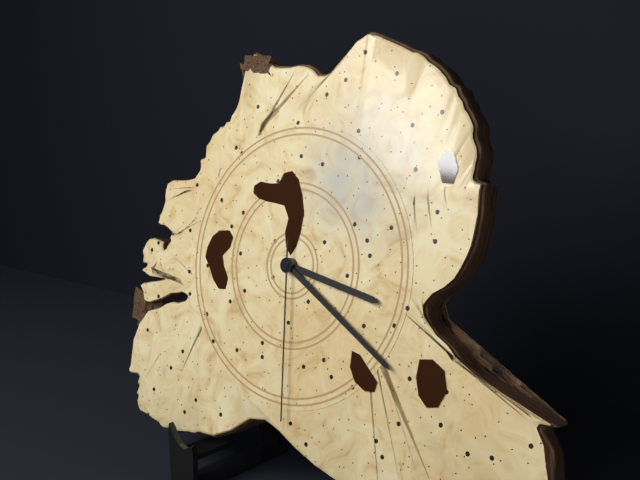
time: 3:20:29
